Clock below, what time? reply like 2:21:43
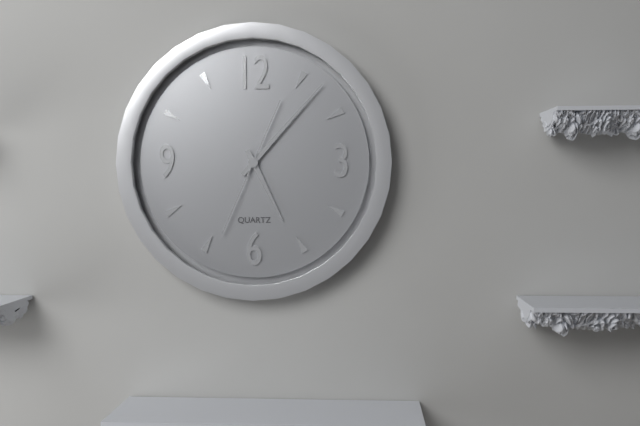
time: 5:07:34
